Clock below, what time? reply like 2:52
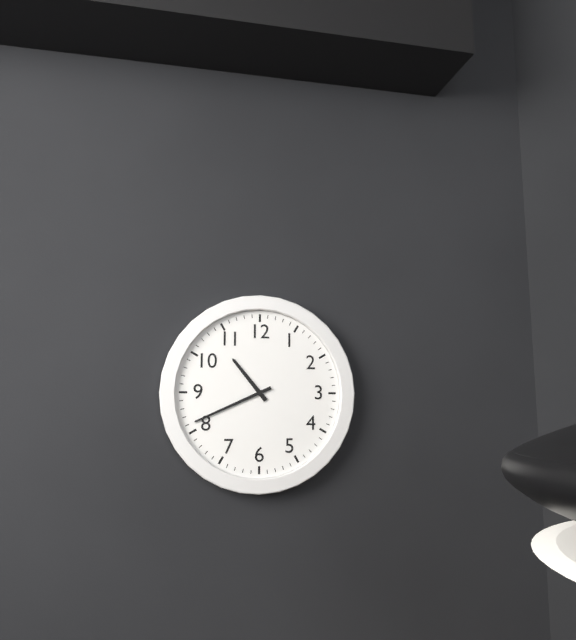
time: 10:41
